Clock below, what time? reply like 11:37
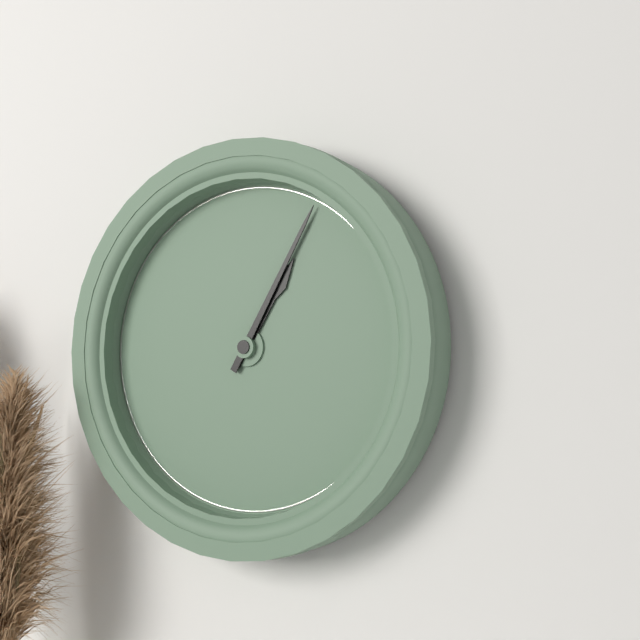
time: 1:05
